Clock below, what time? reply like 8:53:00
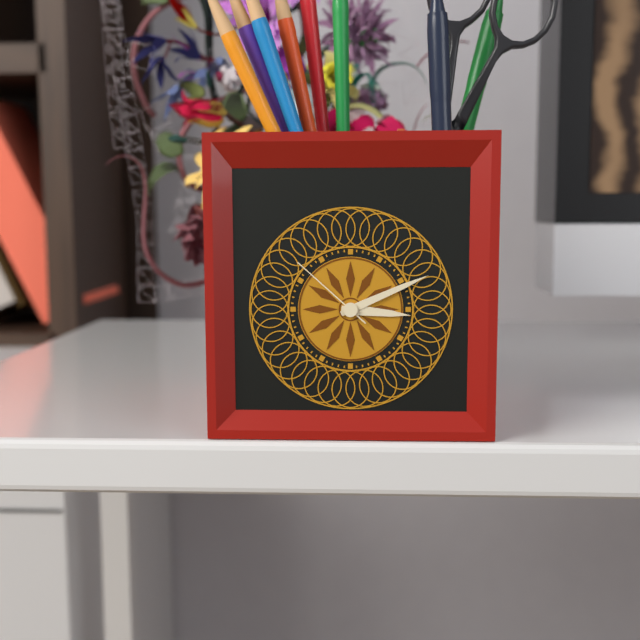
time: 3:11:52
